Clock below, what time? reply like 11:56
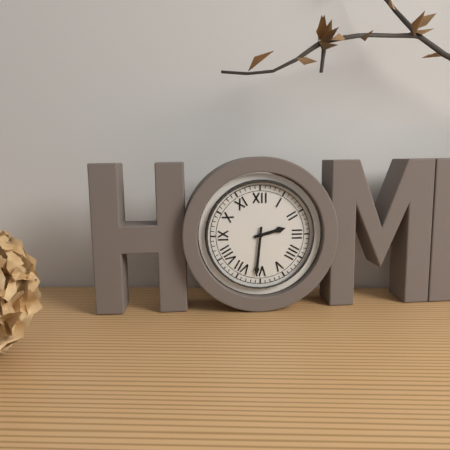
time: 2:31
